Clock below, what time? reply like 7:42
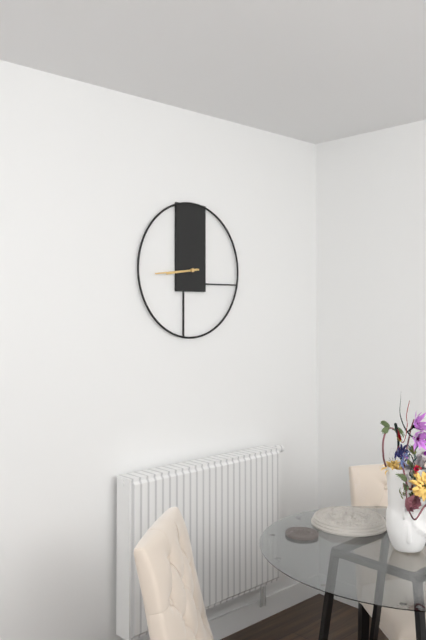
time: 8:44
